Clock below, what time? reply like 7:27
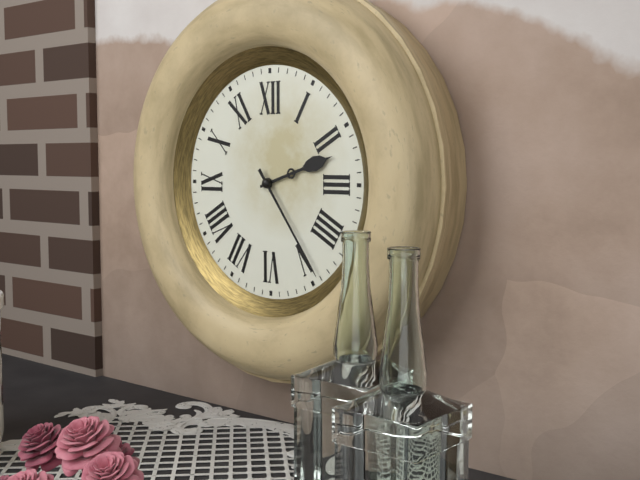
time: 2:24
